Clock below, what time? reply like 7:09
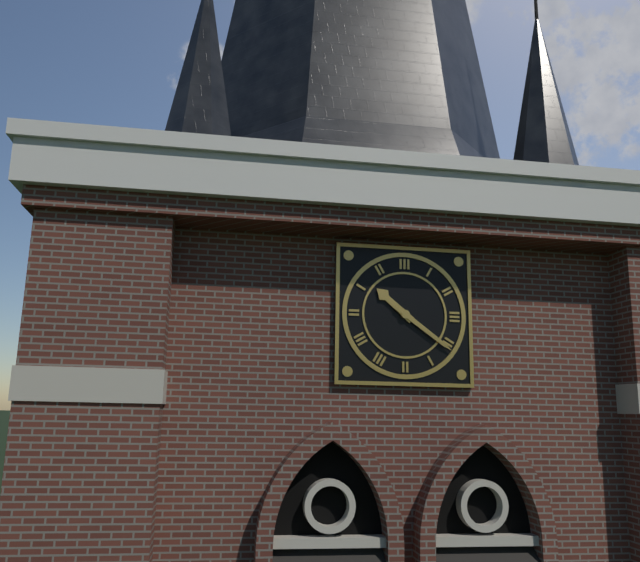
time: 10:21
